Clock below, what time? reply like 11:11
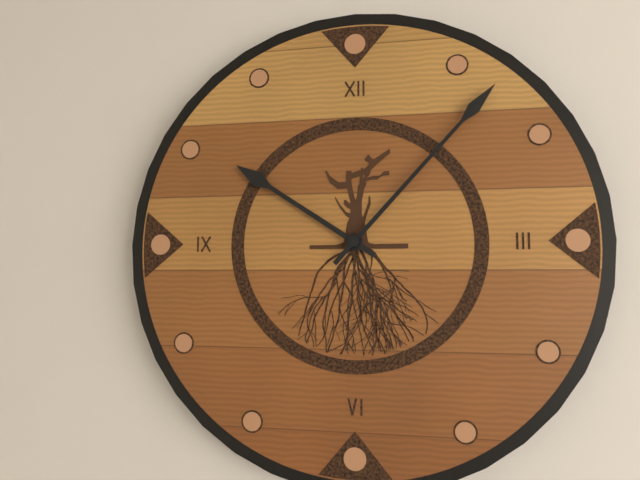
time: 10:07
